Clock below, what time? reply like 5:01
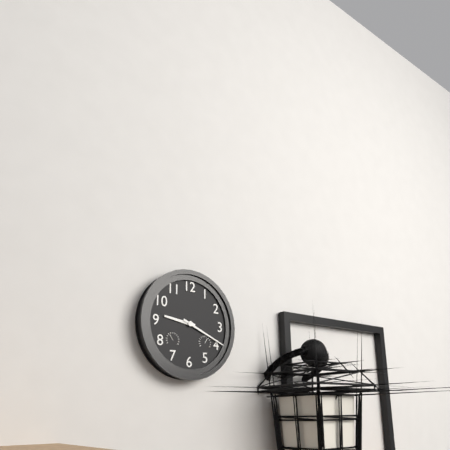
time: 9:19
